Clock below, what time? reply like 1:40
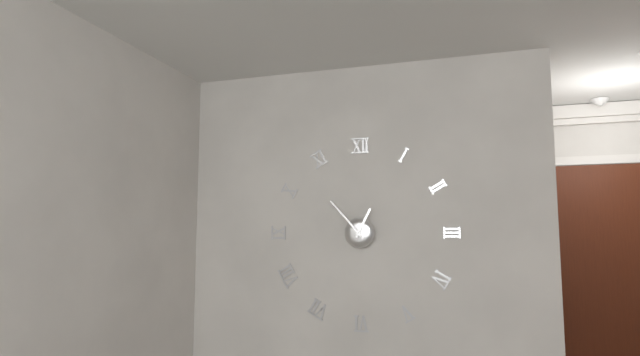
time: 12:53
